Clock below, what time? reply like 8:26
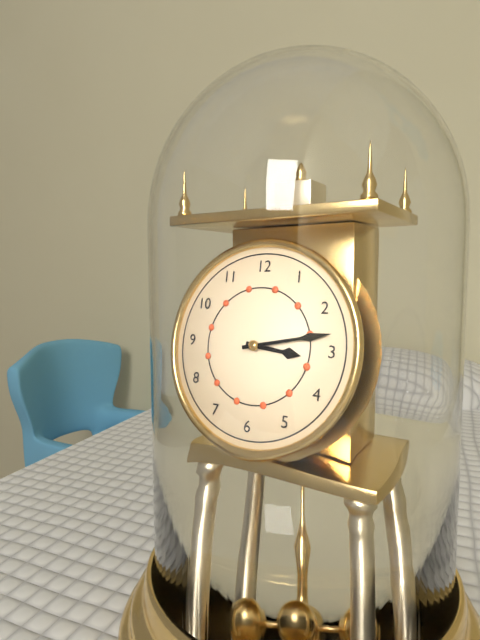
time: 3:13
